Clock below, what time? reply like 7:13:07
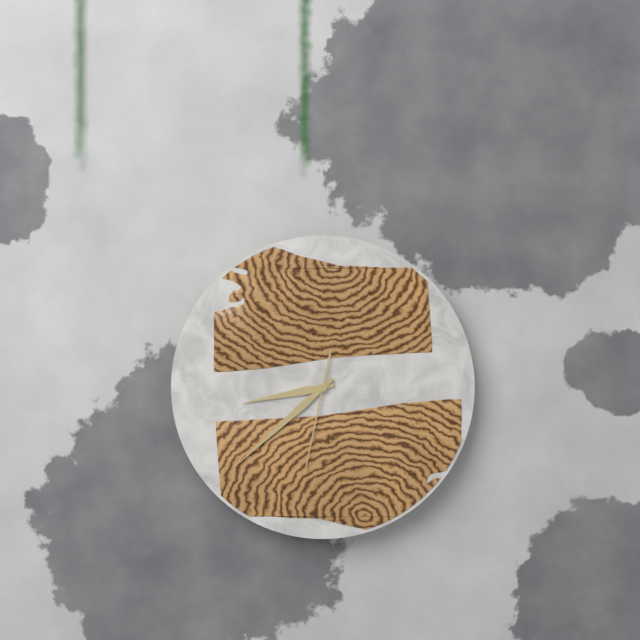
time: 8:38:32
